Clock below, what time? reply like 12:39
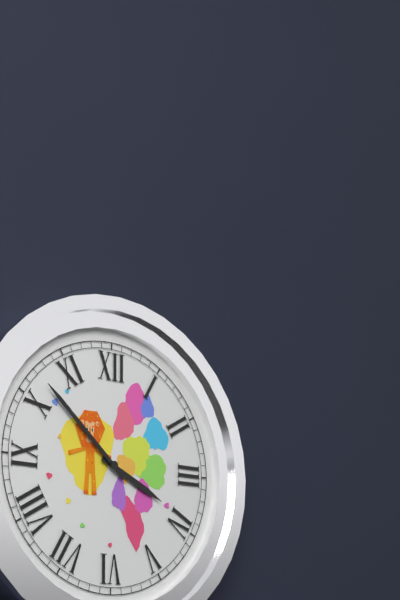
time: 3:52
